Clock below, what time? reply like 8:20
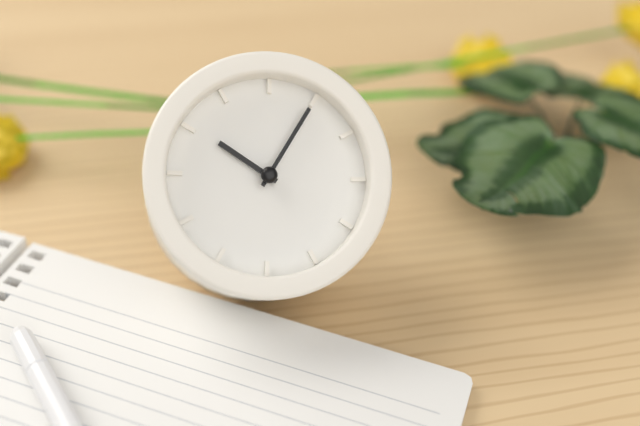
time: 10:05
